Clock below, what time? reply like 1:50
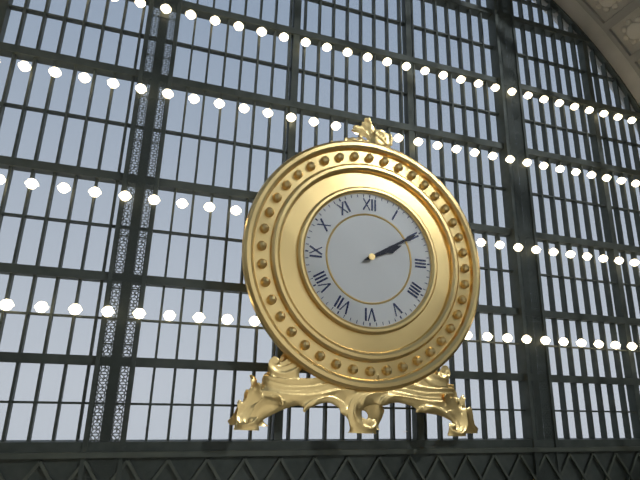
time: 2:10
